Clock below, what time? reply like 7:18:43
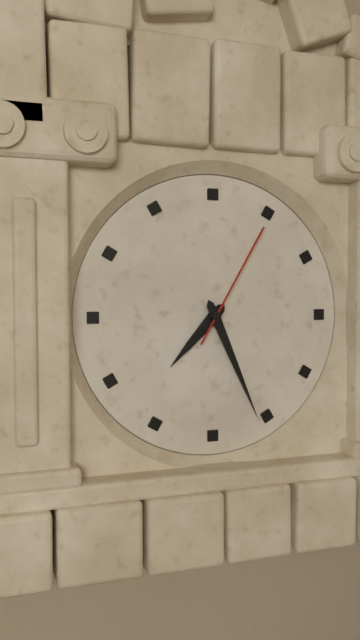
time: 7:26:05
